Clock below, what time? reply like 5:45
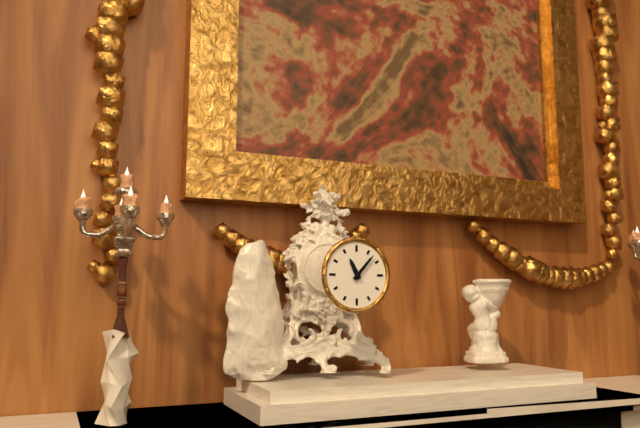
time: 11:07
